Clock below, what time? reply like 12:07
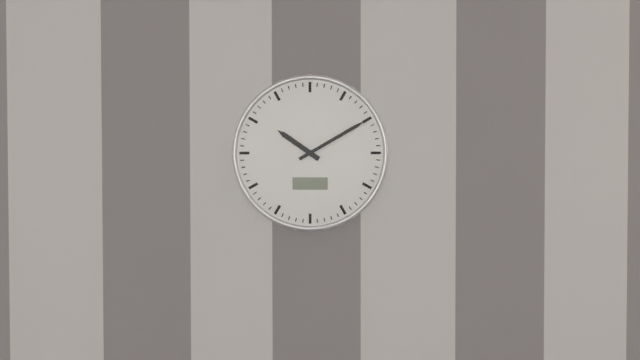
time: 10:10
